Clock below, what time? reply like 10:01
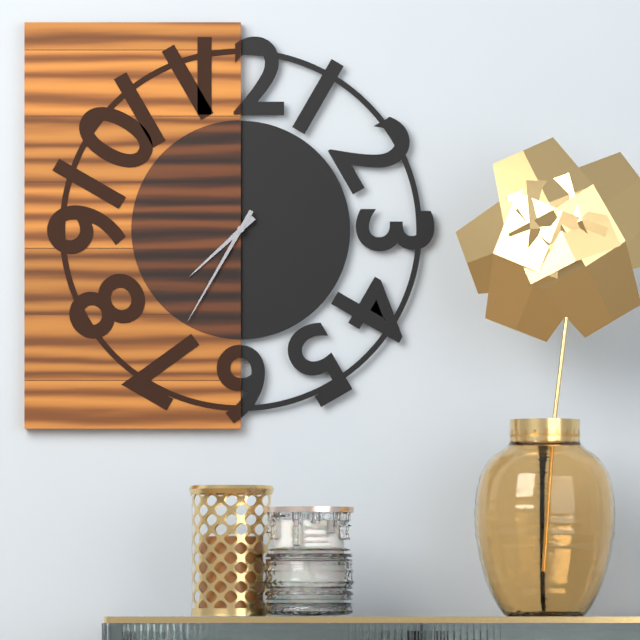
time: 7:35
